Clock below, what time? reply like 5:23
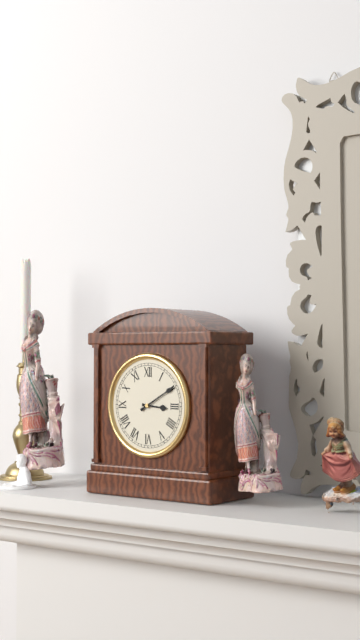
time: 3:10
